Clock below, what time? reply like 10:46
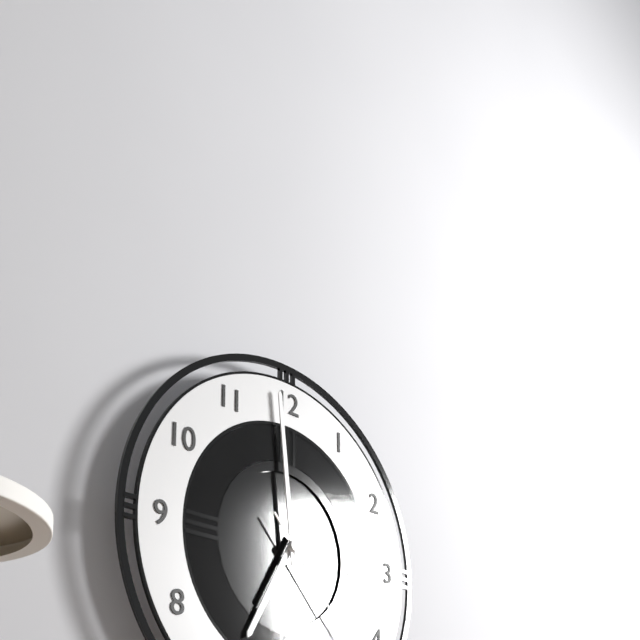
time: 6:59
